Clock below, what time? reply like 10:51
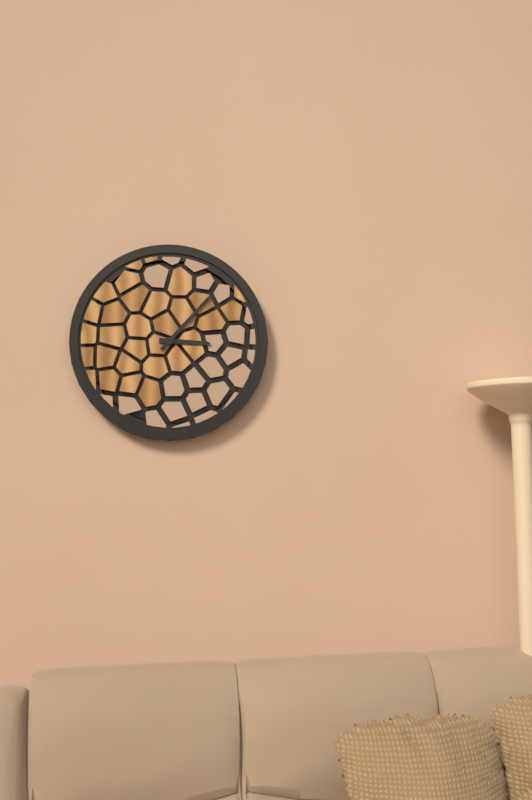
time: 3:07
